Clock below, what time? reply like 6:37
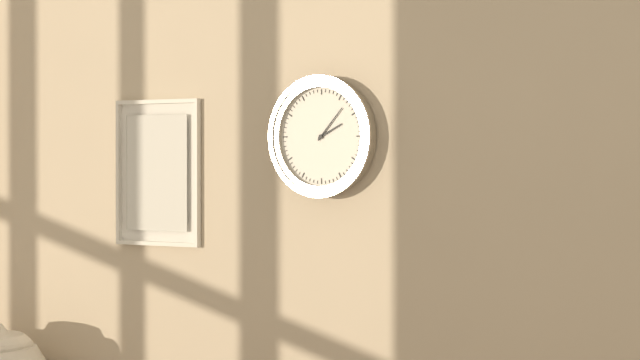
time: 2:07
